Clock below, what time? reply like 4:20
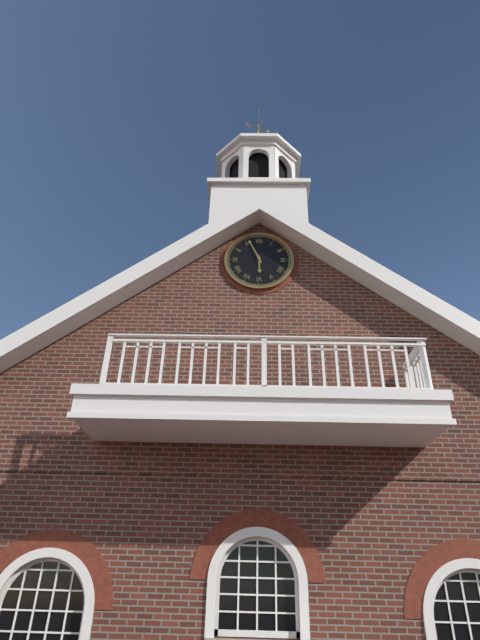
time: 5:56
